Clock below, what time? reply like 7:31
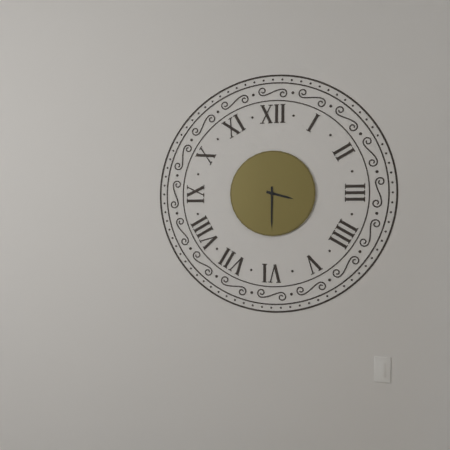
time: 3:30
